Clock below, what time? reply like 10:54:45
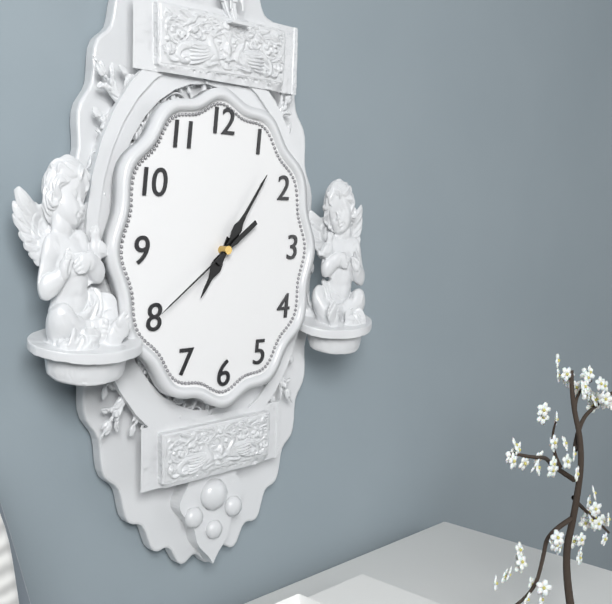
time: 7:06:39
